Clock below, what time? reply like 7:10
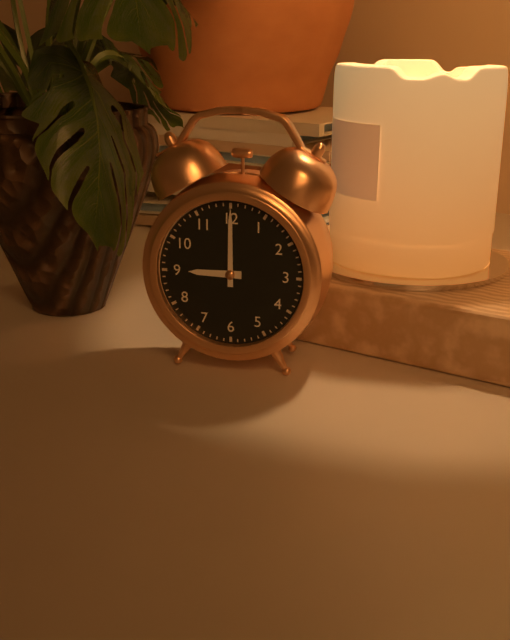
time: 9:00
